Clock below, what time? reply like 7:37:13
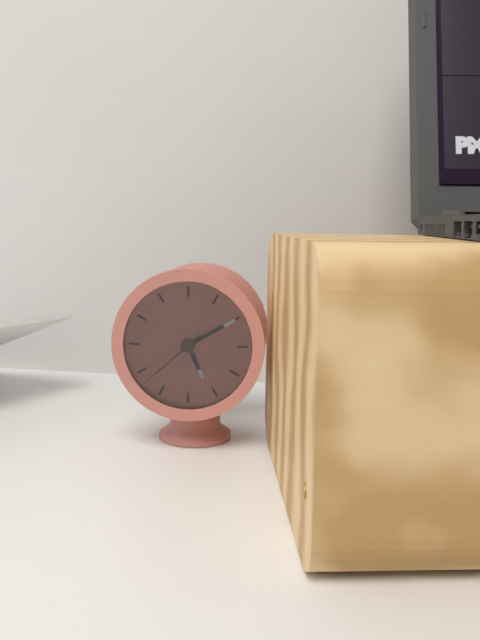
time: 5:10:38
